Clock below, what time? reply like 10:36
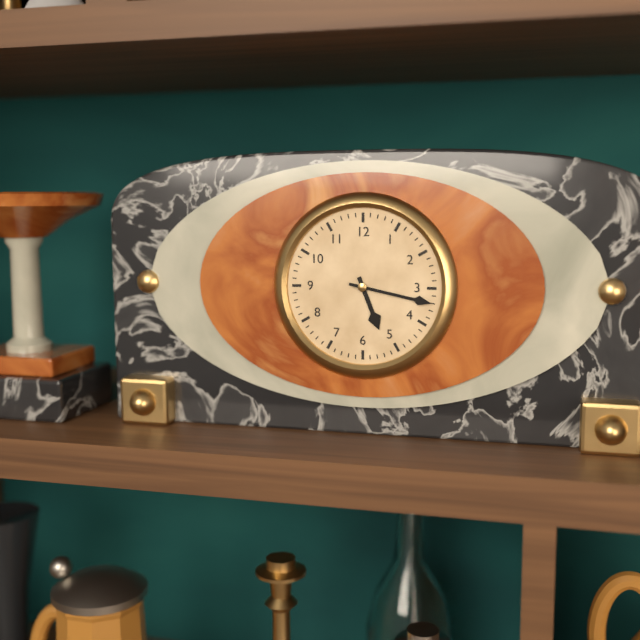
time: 5:17
